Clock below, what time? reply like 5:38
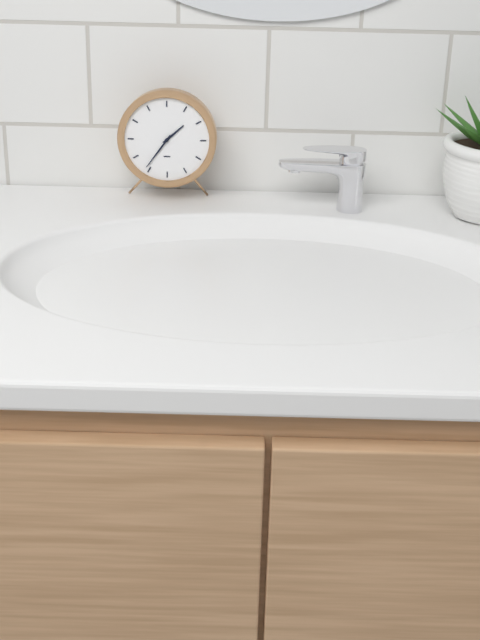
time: 1:36
